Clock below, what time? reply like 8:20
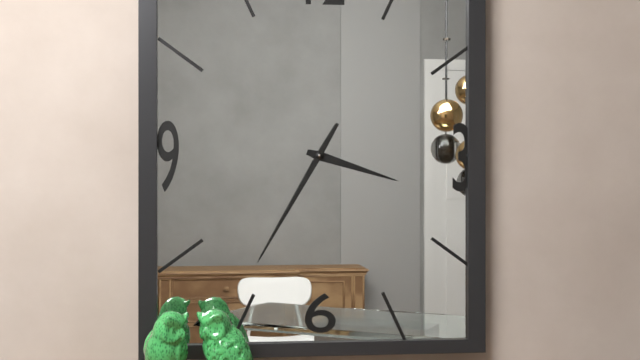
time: 3:35
